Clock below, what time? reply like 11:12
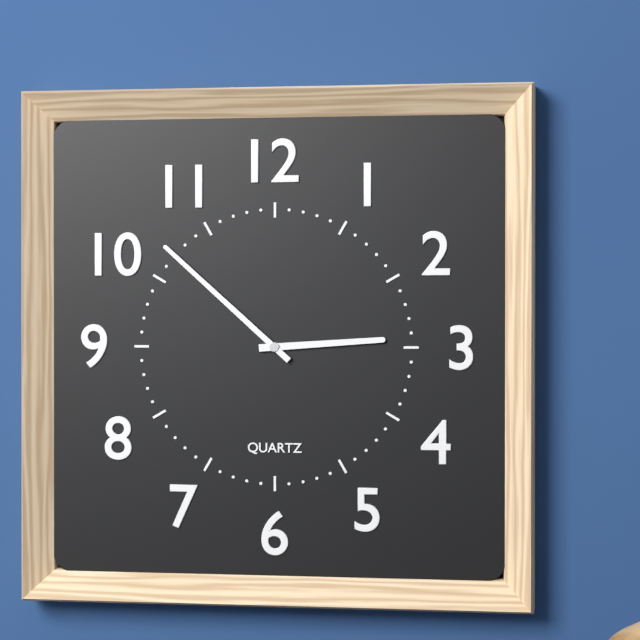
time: 2:52
